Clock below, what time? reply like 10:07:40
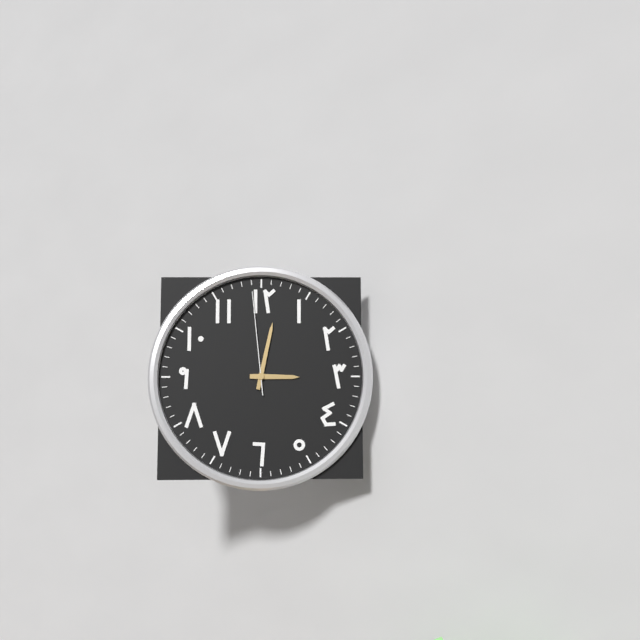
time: 3:02:59
